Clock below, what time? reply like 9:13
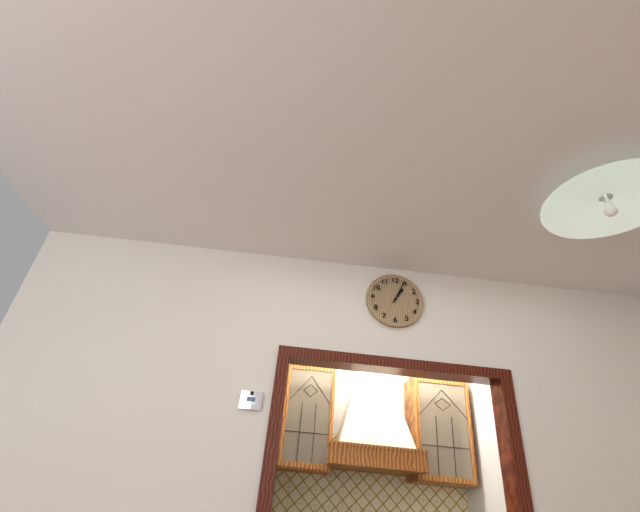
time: 1:04
